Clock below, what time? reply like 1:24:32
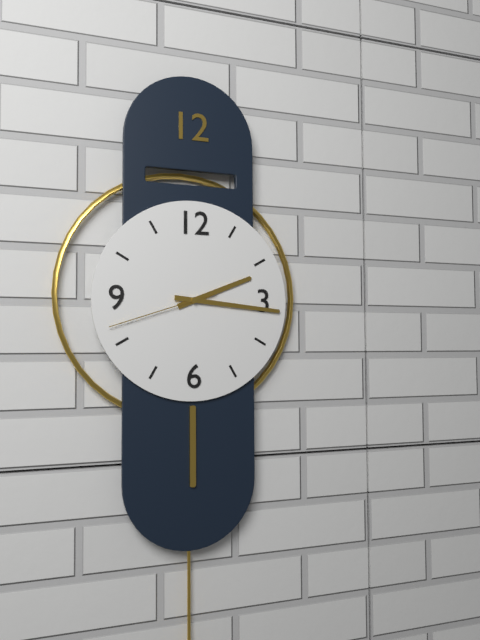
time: 2:16:42
